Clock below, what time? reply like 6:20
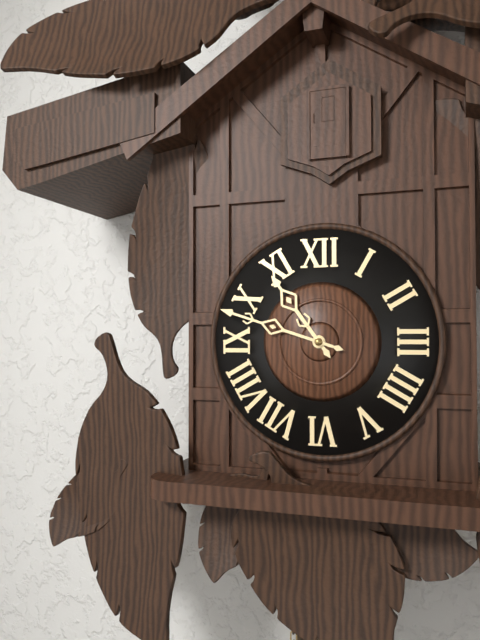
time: 10:48
